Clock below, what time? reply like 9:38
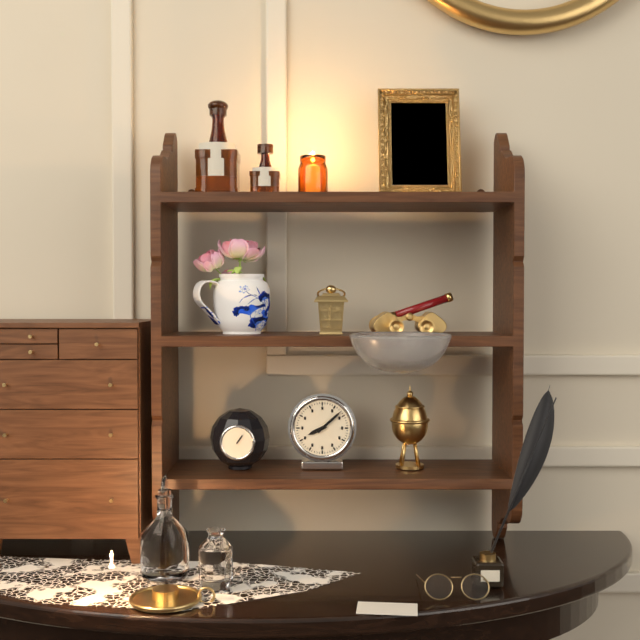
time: 8:08
